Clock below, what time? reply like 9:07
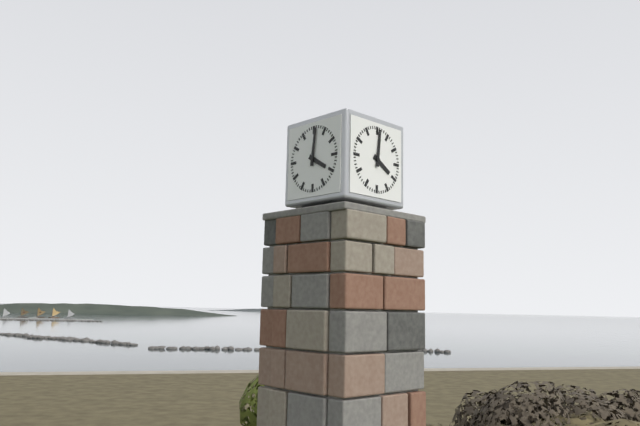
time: 4:01
